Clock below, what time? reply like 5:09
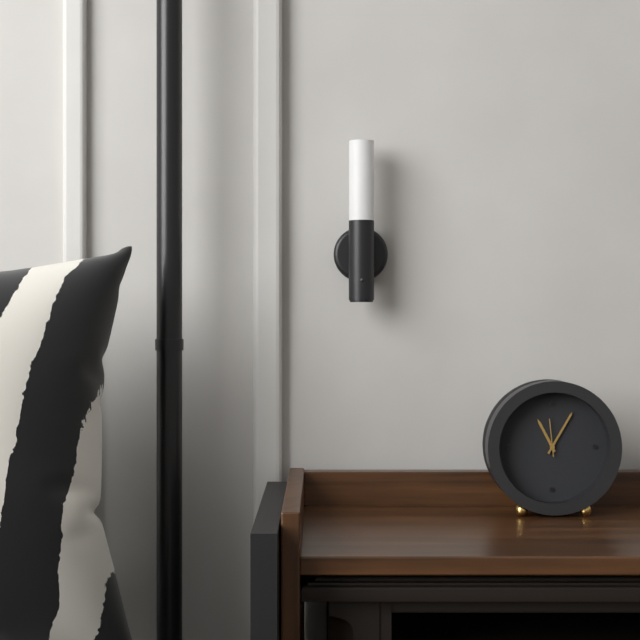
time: 11:05
